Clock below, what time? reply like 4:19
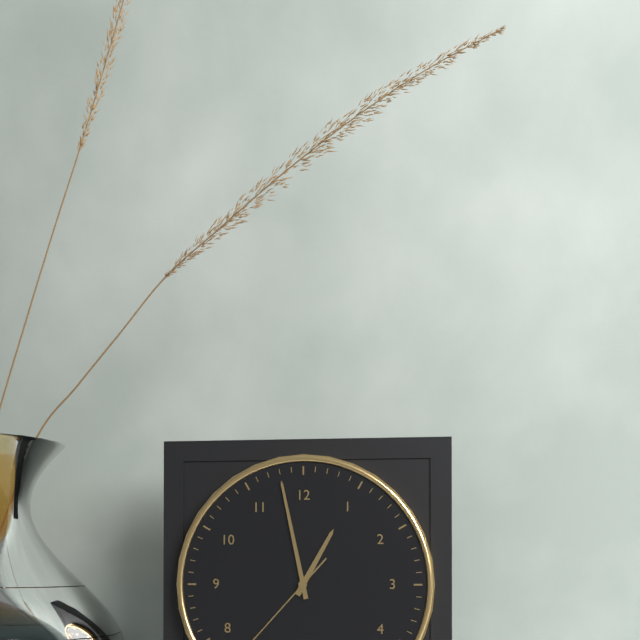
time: 12:58
